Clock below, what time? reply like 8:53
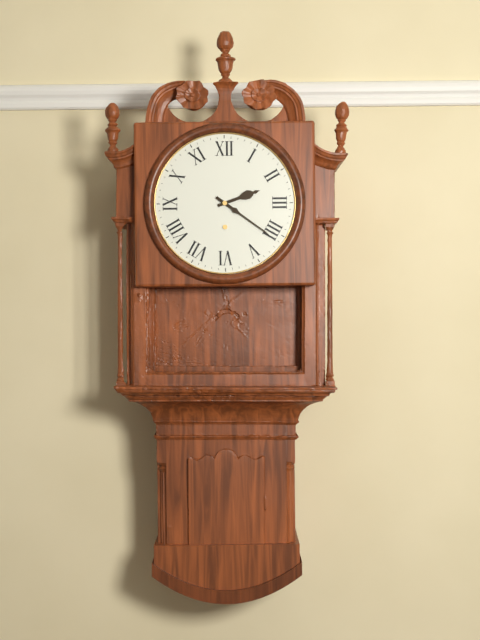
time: 2:21
